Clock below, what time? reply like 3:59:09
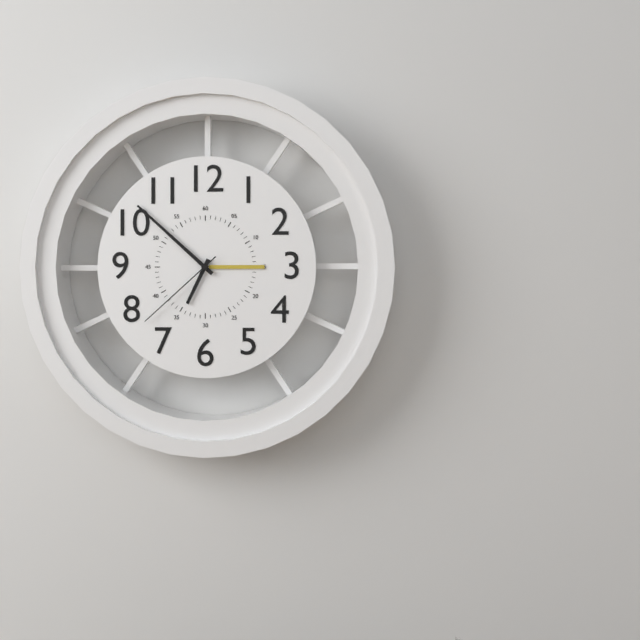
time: 6:52:38
